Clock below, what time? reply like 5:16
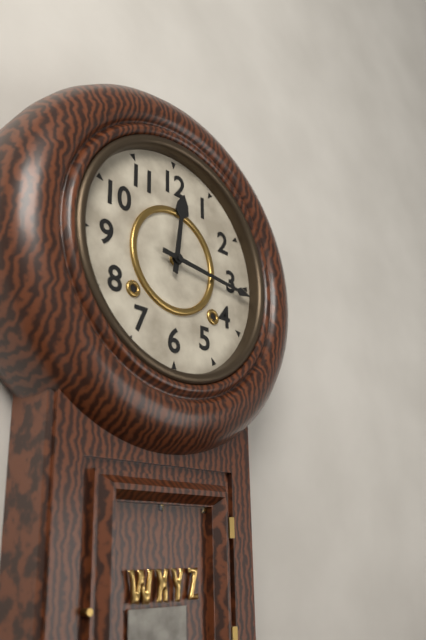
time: 12:16
